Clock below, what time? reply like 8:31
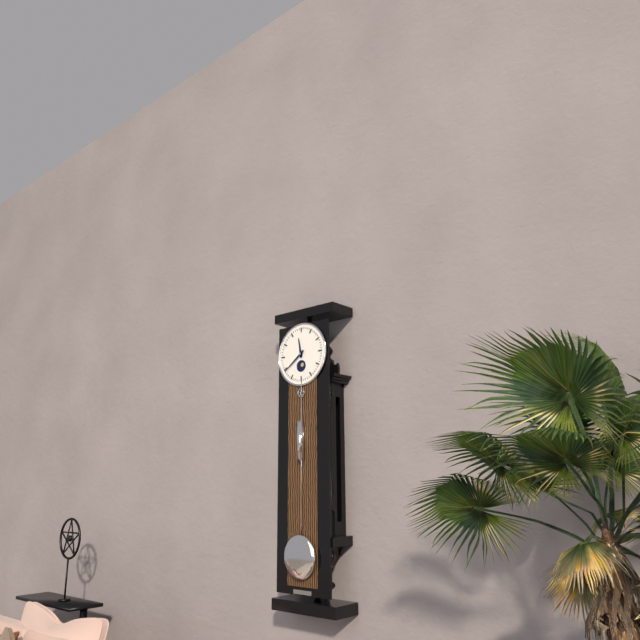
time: 11:39
